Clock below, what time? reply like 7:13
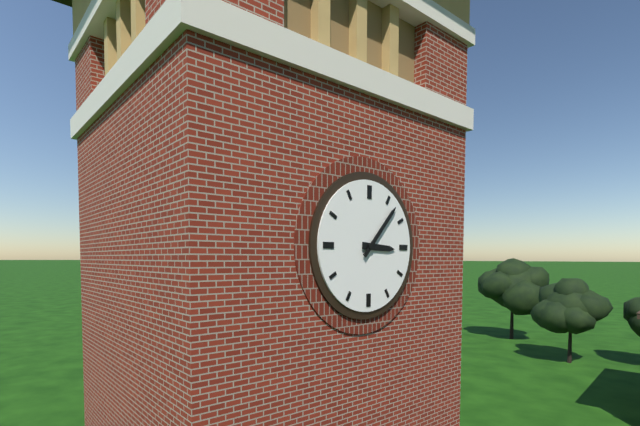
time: 3:07
